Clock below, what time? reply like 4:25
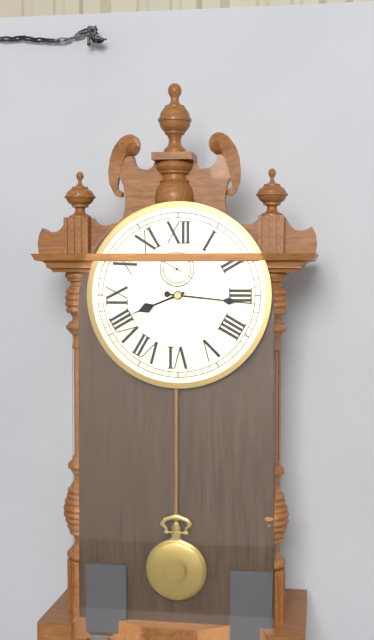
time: 8:16
